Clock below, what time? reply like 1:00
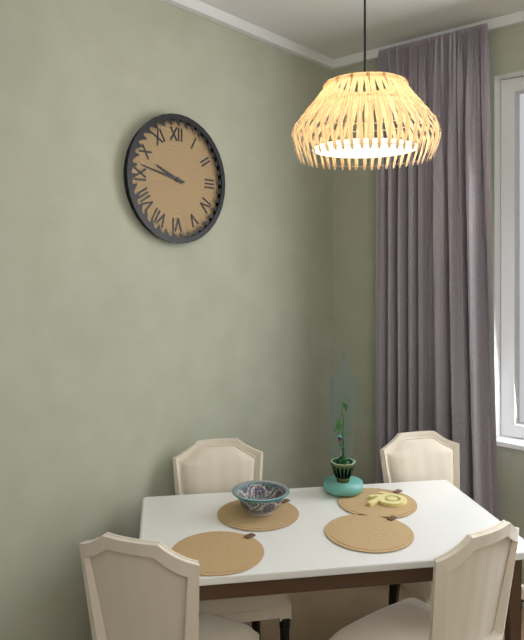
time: 9:47
